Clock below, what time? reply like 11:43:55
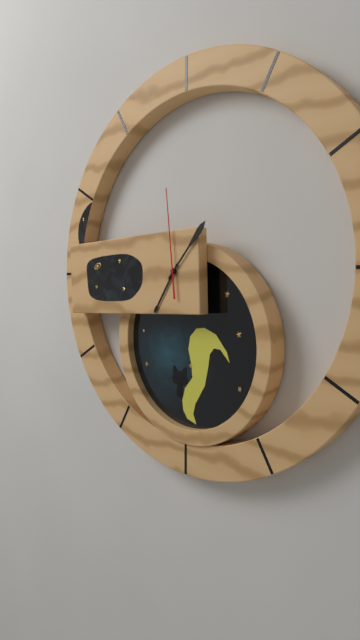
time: 7:07:59
